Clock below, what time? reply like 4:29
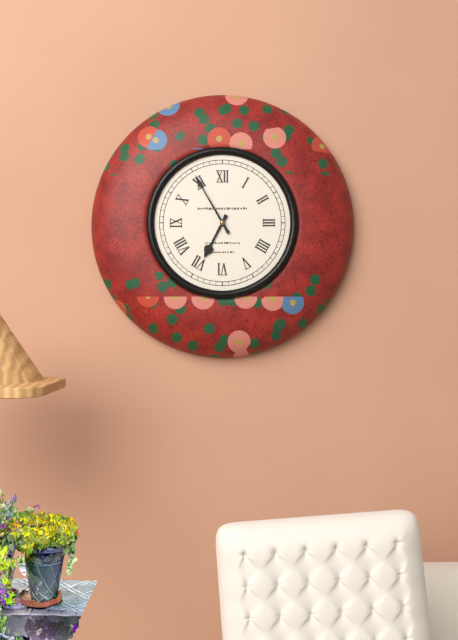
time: 6:55
